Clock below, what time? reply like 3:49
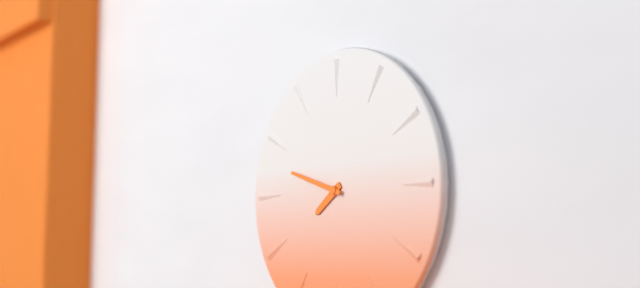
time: 7:48
